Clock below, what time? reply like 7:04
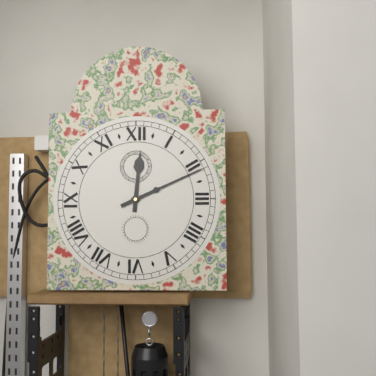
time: 12:11
